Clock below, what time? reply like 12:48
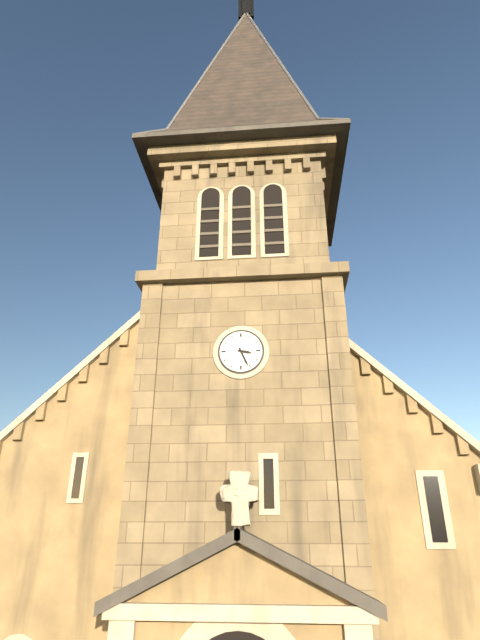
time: 3:26
